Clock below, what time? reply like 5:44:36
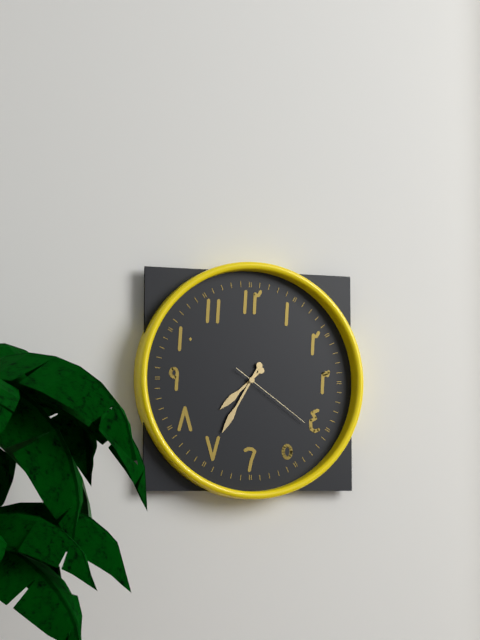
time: 7:35:21
